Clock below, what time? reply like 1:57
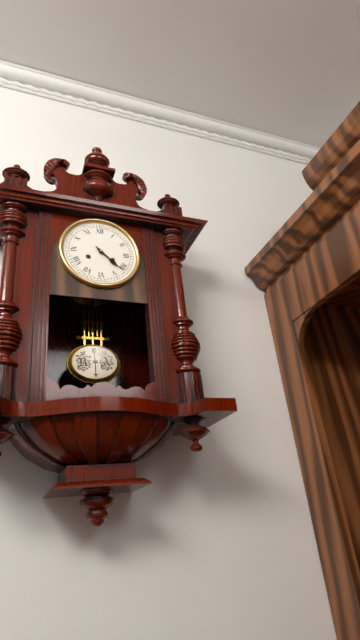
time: 4:22
